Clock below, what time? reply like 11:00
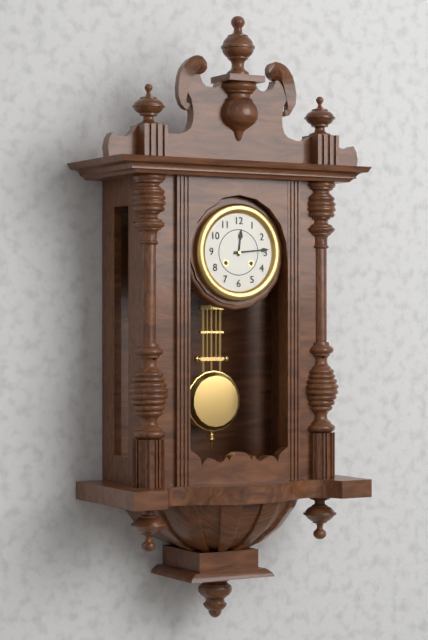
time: 12:14
